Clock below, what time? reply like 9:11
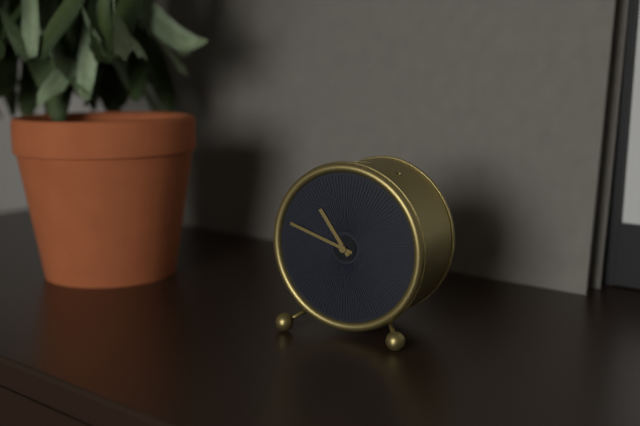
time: 10:48
